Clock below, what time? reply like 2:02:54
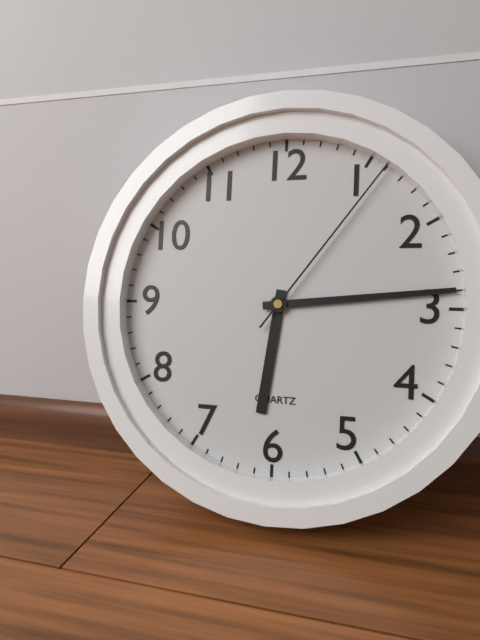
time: 6:14:06
